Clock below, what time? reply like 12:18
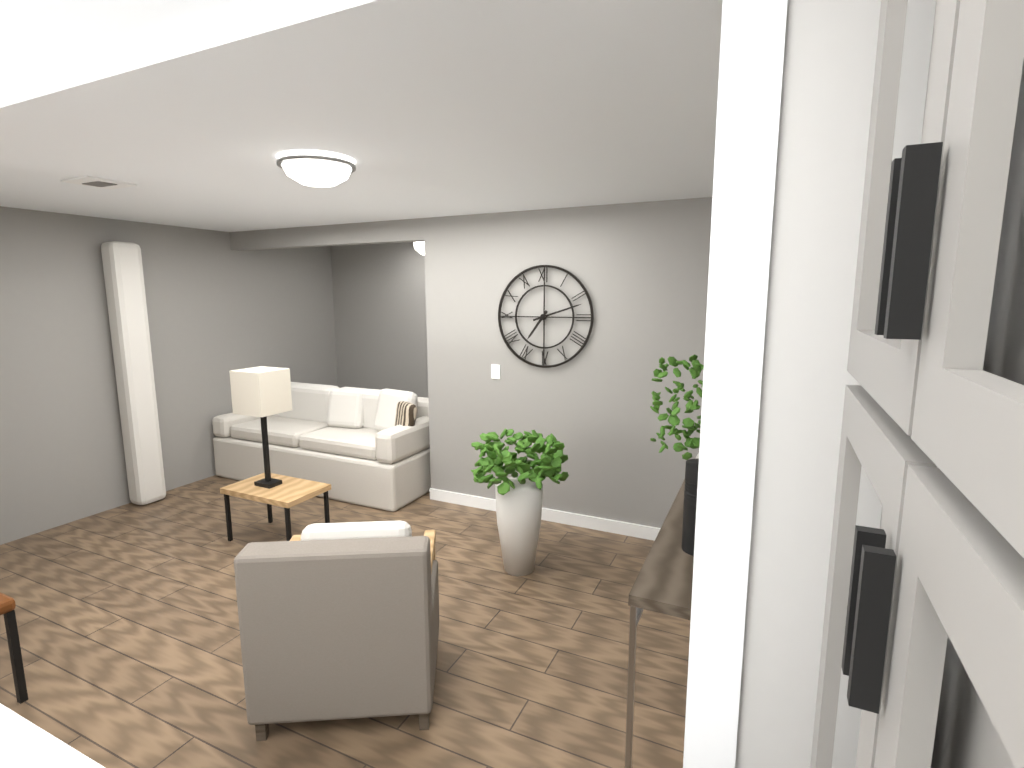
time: 7:12
